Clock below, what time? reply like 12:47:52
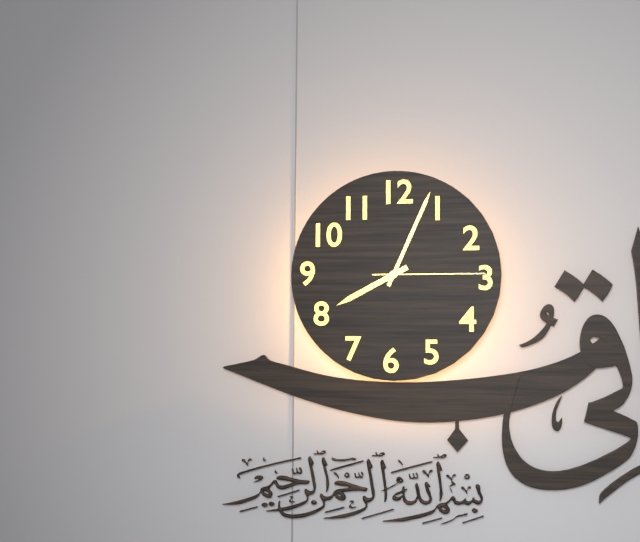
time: 8:04:15
